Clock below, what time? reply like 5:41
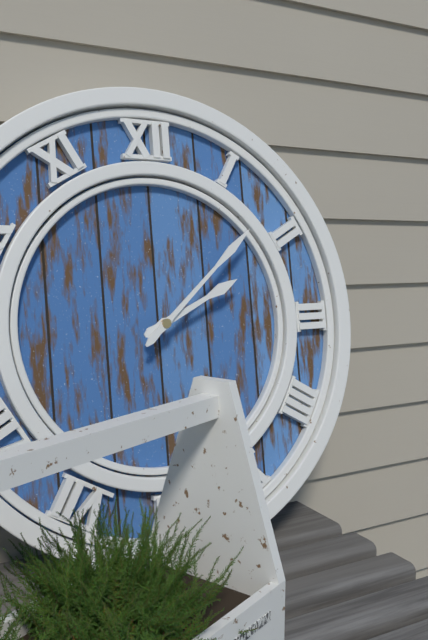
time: 2:08
